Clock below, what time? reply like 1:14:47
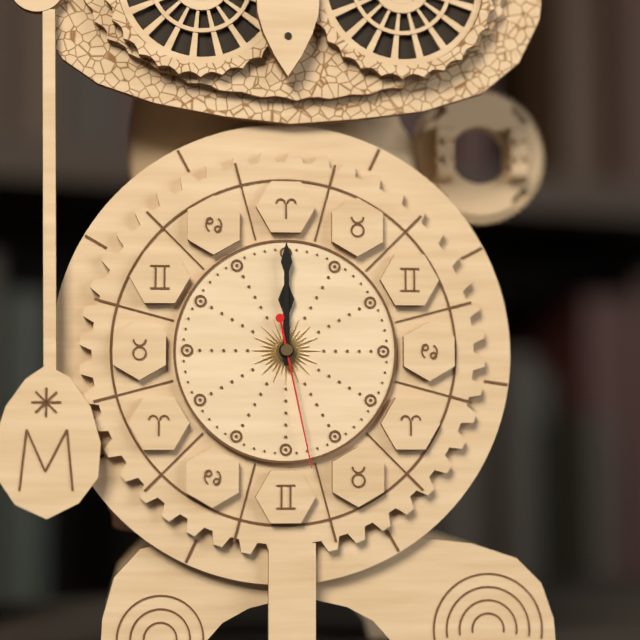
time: 12:00:28
